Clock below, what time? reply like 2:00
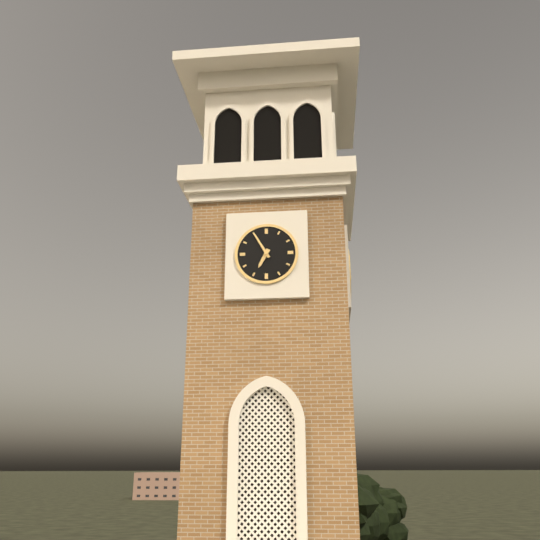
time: 6:55
